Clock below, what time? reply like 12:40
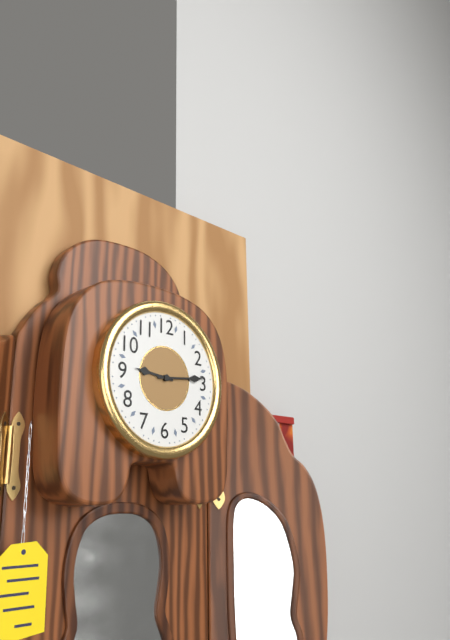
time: 9:14
